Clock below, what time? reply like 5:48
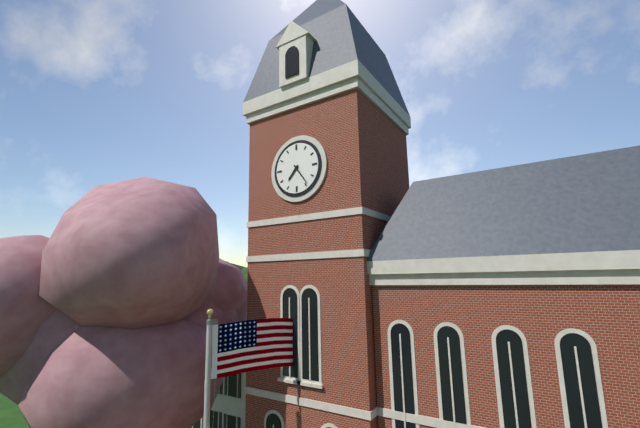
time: 7:24
